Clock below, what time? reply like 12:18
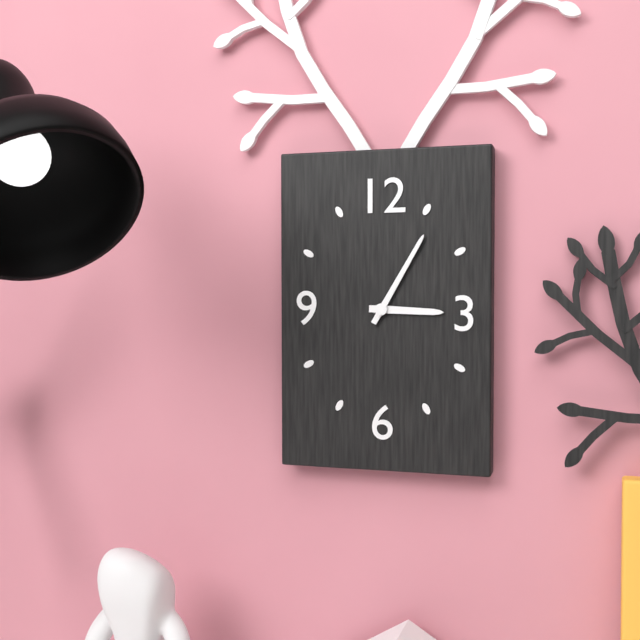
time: 3:05
